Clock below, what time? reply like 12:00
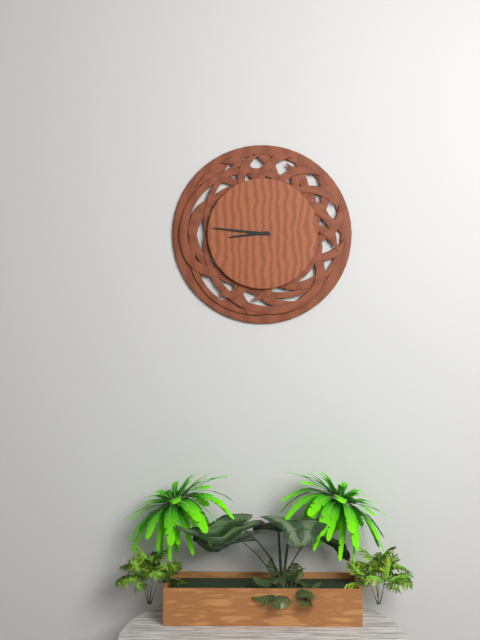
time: 8:46
